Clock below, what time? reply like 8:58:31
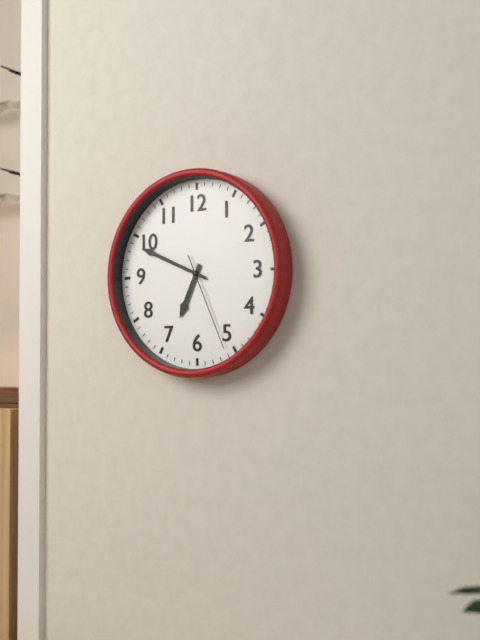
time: 6:49:26
